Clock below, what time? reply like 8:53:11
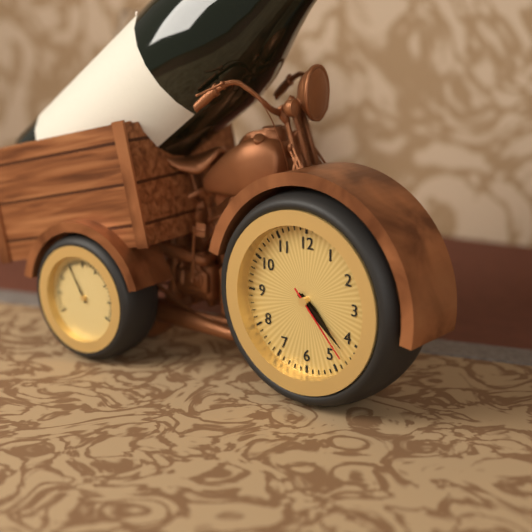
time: 4:22:23
